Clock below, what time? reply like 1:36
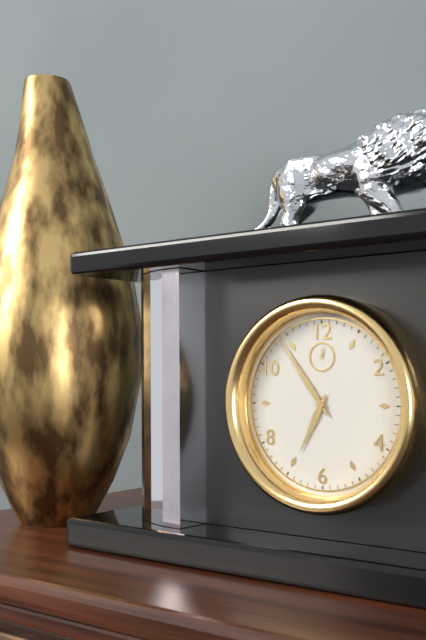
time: 6:54
